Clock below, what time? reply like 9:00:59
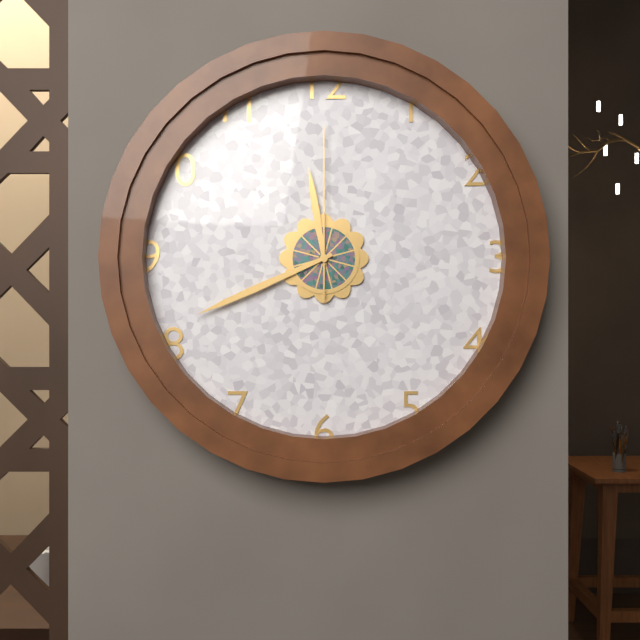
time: 11:41:00
